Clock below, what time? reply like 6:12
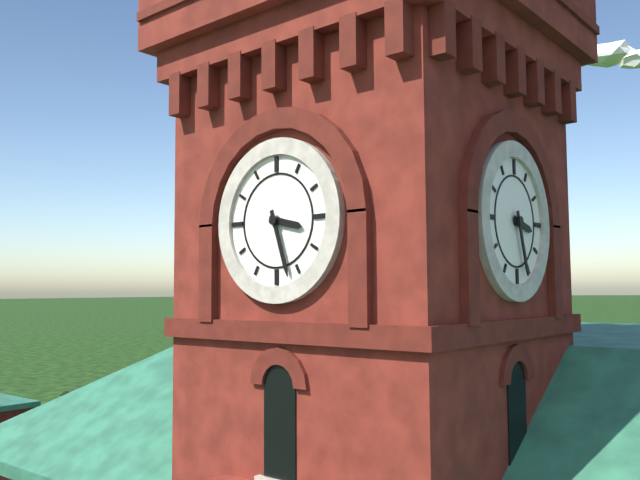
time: 3:27
